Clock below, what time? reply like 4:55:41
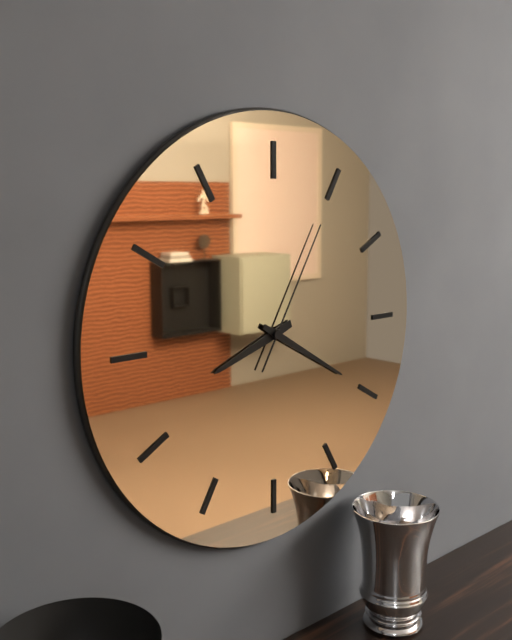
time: 8:20:05
